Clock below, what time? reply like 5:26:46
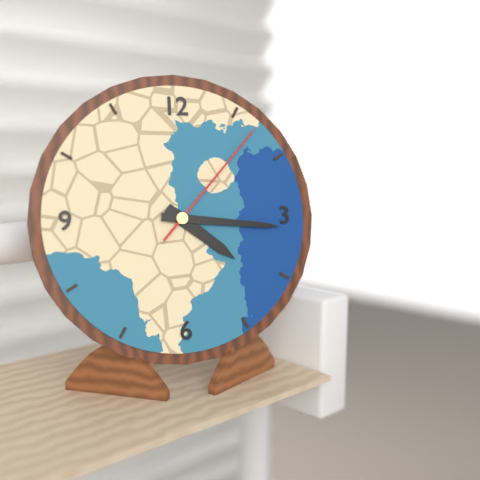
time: 4:16:07
